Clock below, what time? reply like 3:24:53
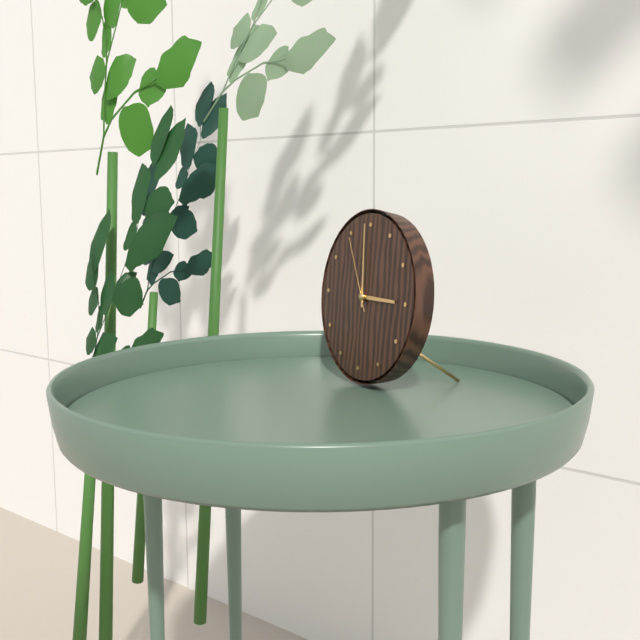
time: 2:59:55
